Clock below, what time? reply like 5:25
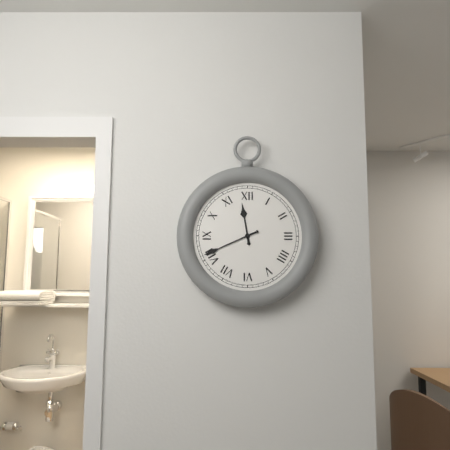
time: 11:41
